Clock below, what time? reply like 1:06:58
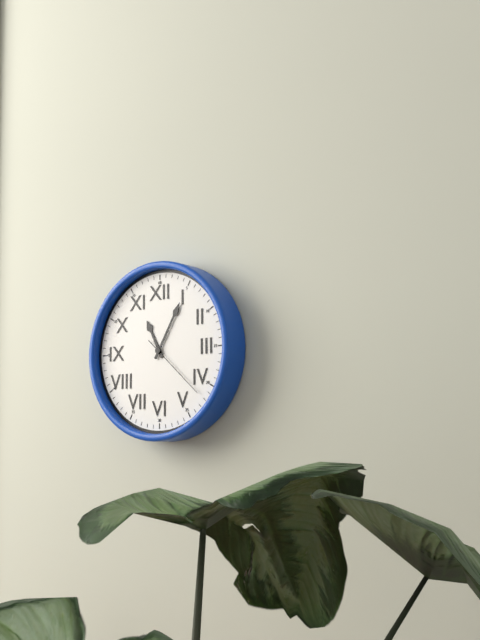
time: 11:05:22
